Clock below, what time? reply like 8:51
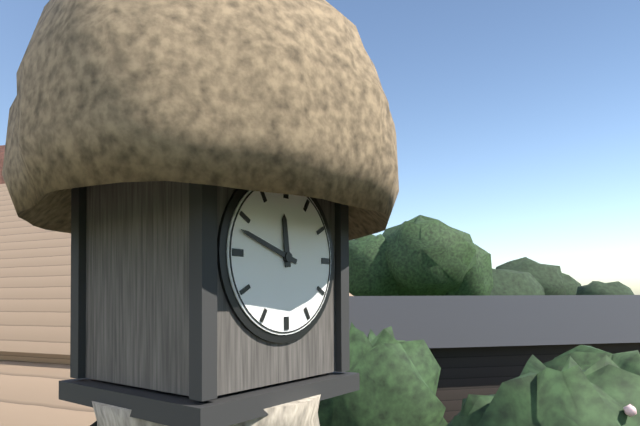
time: 11:48
